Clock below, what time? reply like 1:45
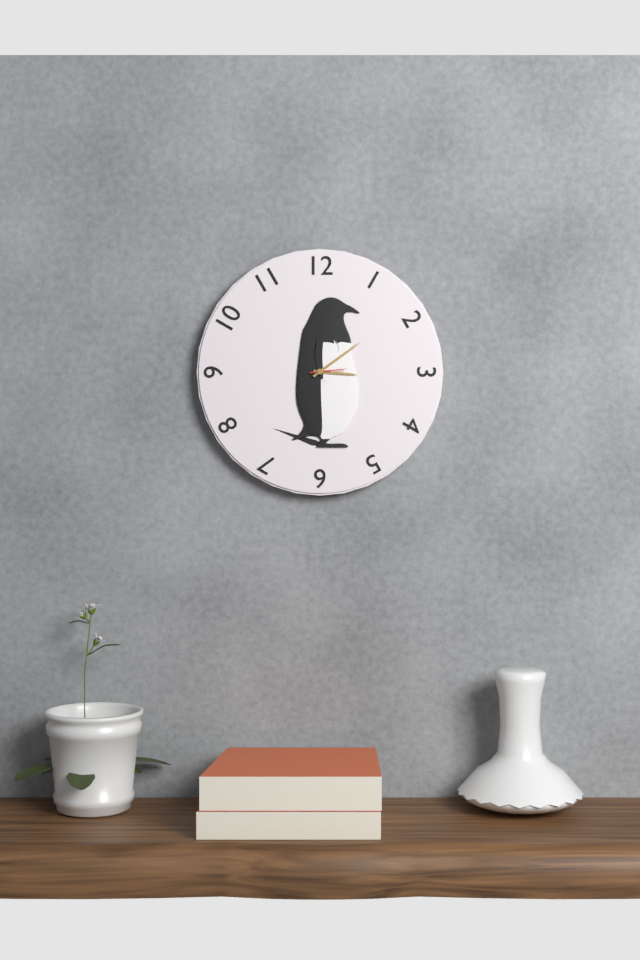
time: 3:09
